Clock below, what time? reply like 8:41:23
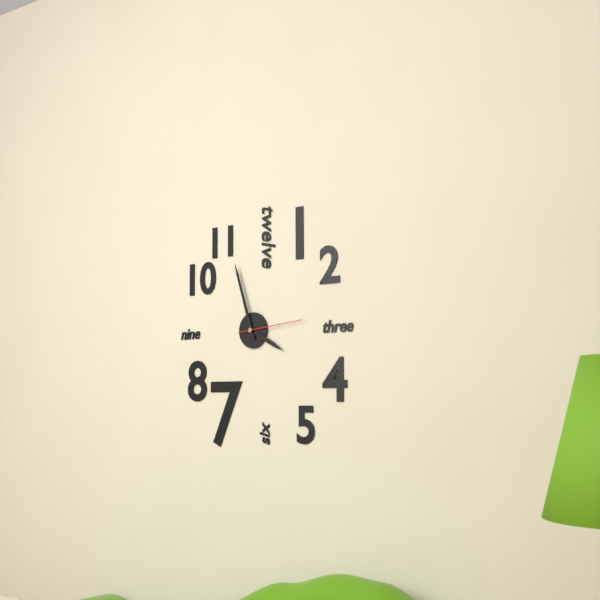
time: 3:57:14
